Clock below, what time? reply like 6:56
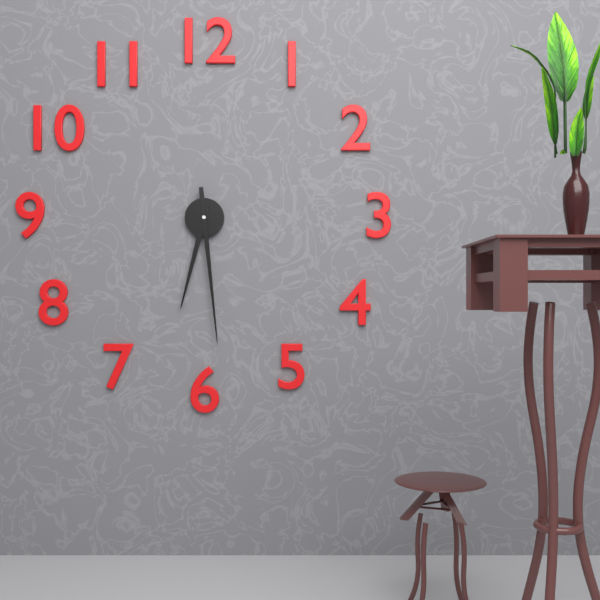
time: 6:29
